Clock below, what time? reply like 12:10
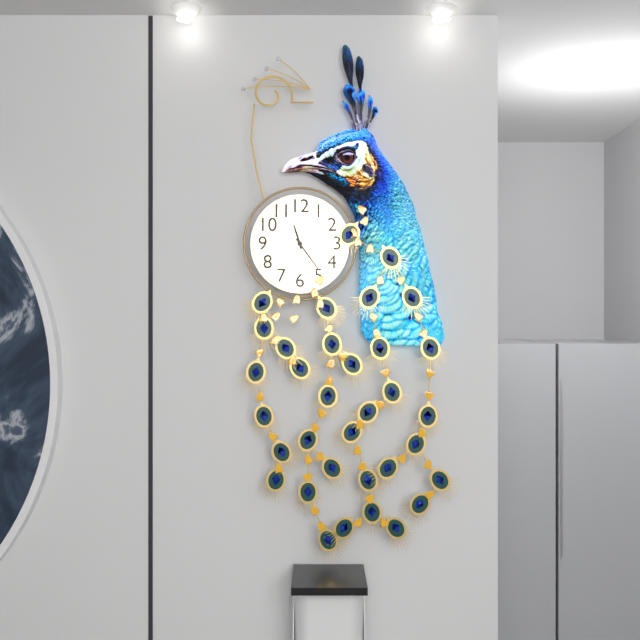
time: 11:24
